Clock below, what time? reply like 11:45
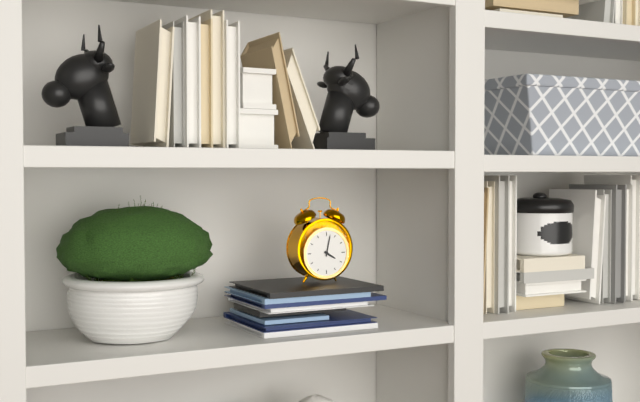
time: 4:02
